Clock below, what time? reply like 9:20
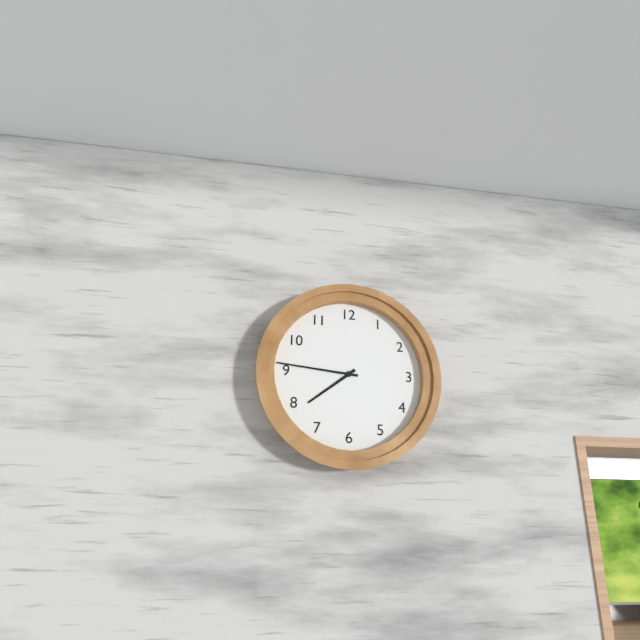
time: 7:46
